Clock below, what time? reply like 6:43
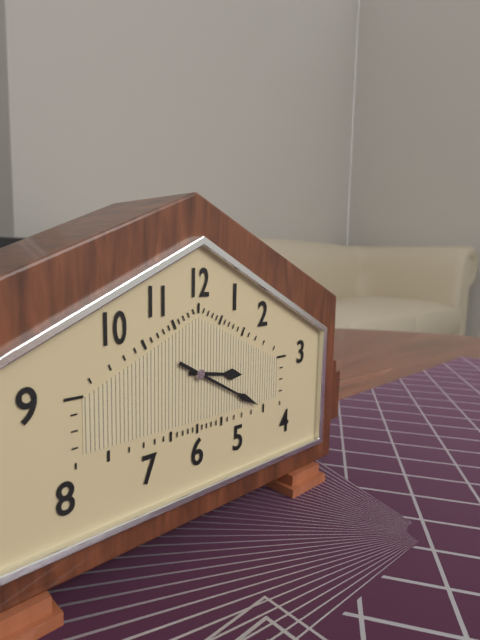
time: 3:20
